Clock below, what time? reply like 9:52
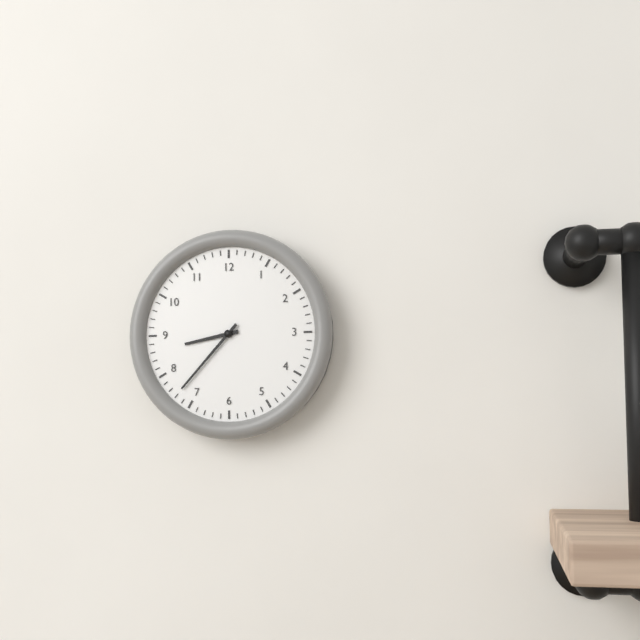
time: 8:37
